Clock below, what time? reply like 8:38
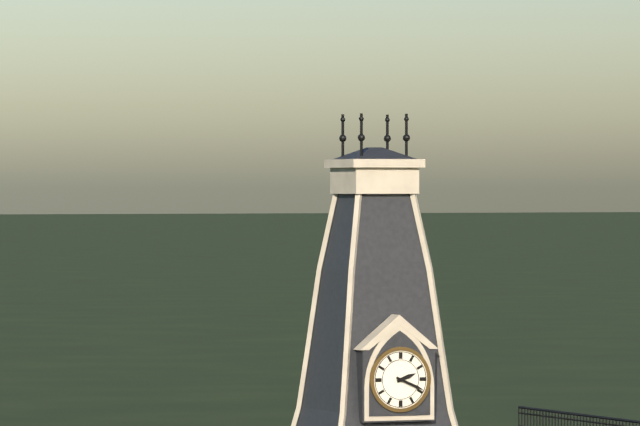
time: 2:19
